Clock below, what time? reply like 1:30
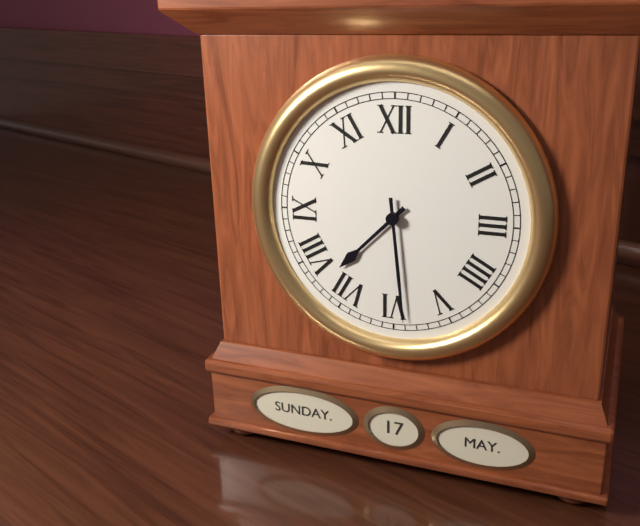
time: 7:29
